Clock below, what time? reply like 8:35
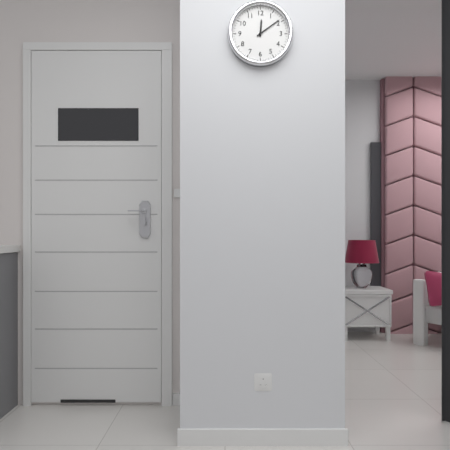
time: 12:09
